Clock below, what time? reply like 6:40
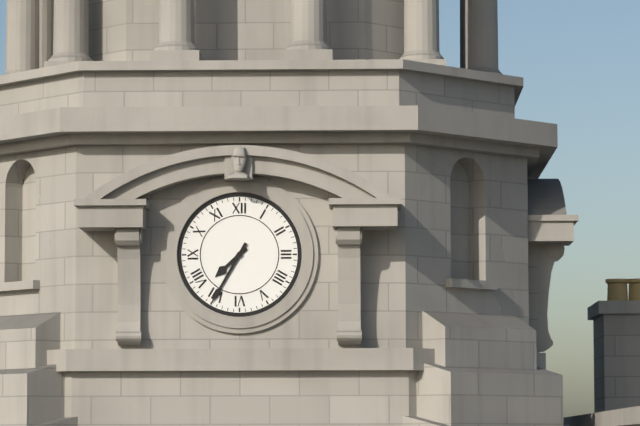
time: 7:35
